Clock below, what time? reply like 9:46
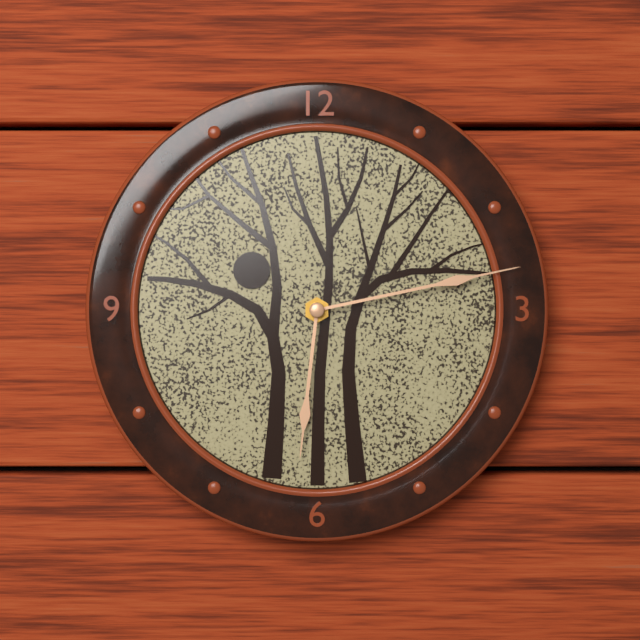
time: 6:13
